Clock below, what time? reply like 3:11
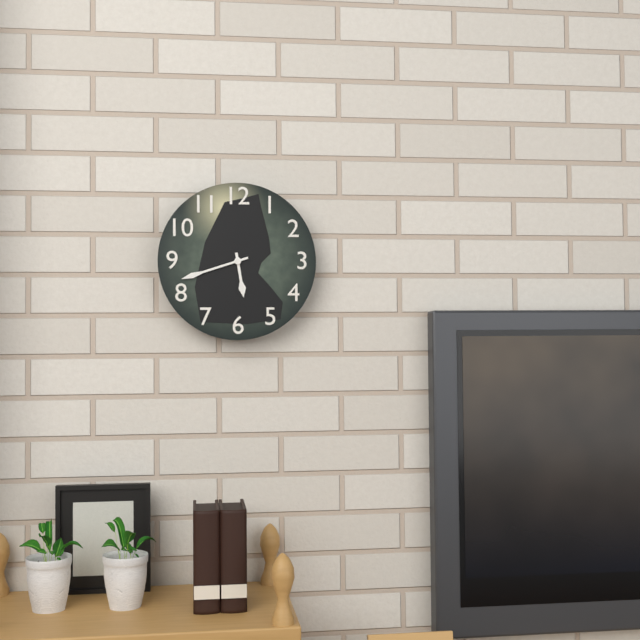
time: 5:42
